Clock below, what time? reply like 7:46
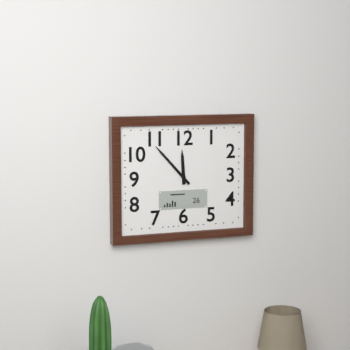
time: 11:53
